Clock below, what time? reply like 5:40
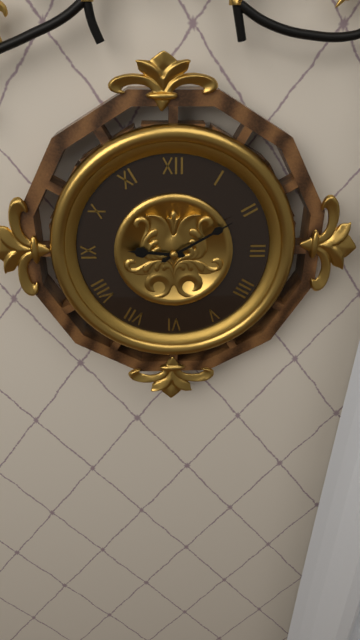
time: 9:10
